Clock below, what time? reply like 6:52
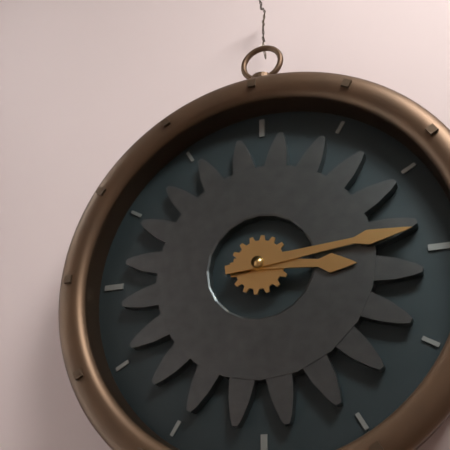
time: 3:14
